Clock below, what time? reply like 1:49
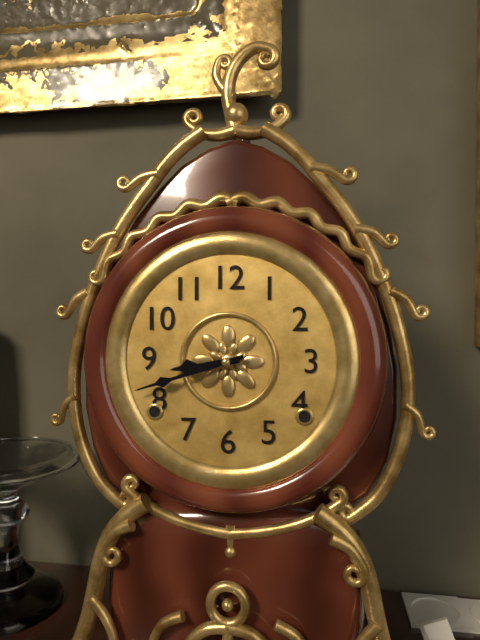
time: 8:42
